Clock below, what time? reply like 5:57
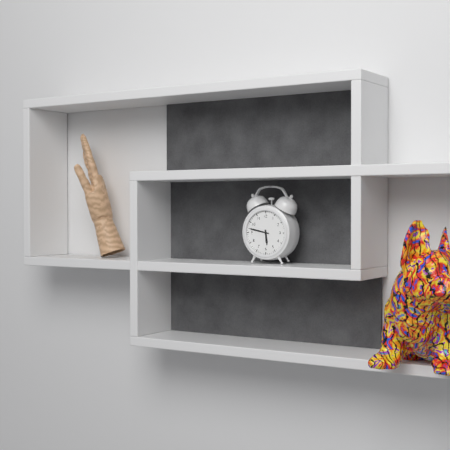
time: 5:47
